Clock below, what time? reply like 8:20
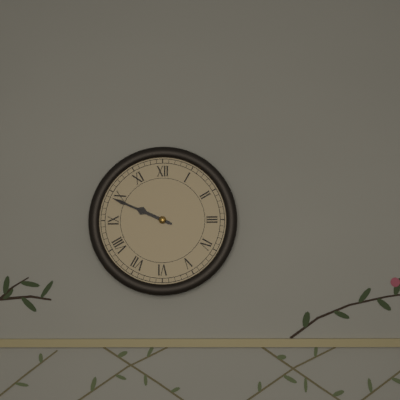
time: 9:49
